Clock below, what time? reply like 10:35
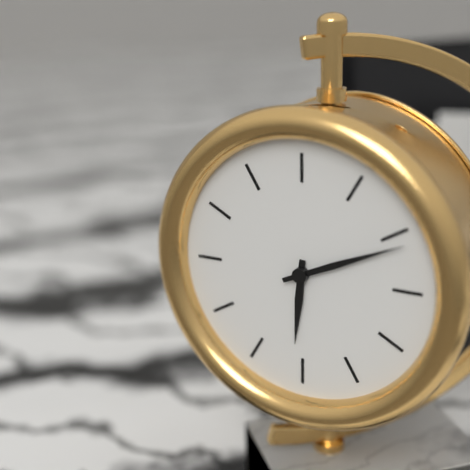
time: 6:11
